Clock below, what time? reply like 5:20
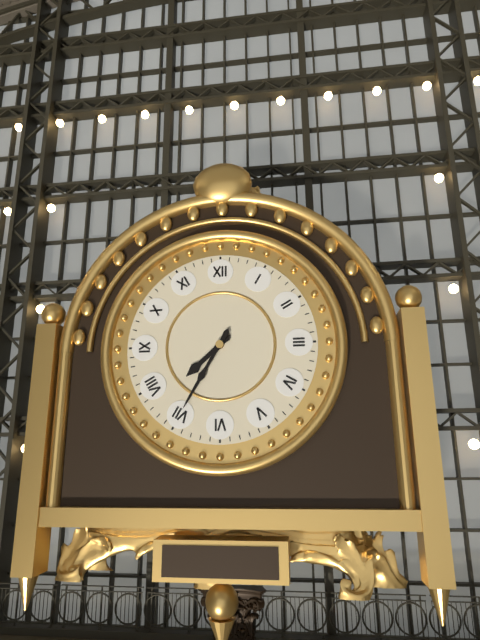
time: 7:35
